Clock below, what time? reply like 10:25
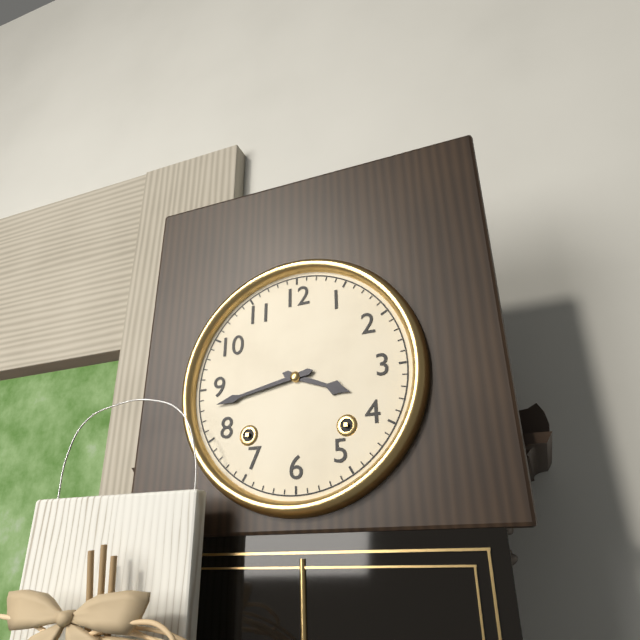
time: 3:43
